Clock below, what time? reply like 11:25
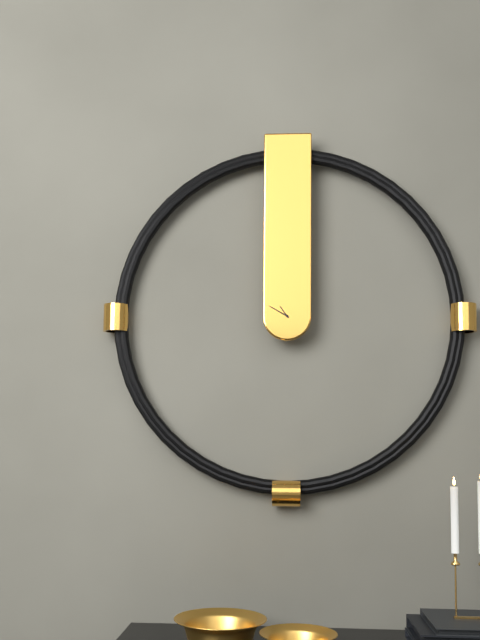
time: 10:50
